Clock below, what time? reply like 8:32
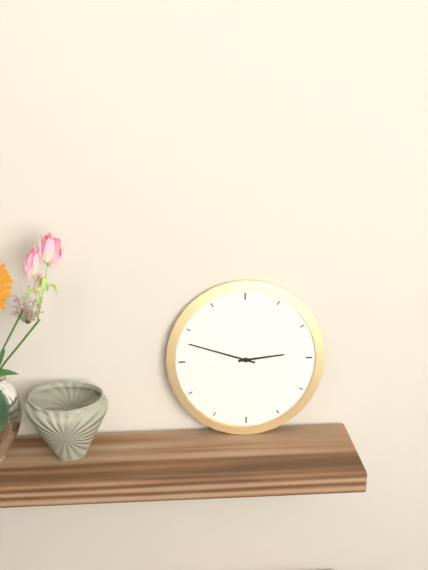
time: 2:48
